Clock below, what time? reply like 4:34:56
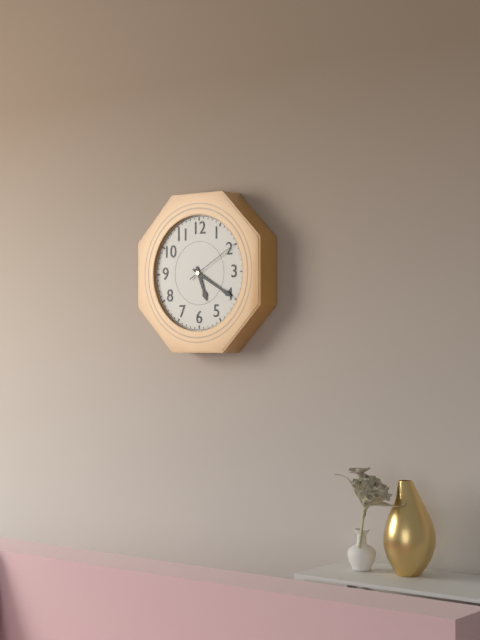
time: 5:20:10
